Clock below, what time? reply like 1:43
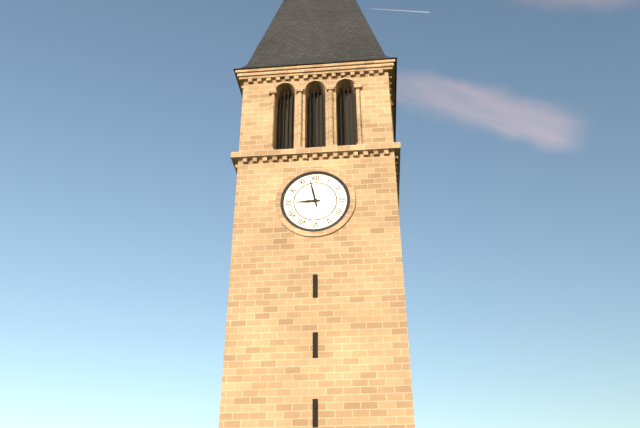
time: 8:58
